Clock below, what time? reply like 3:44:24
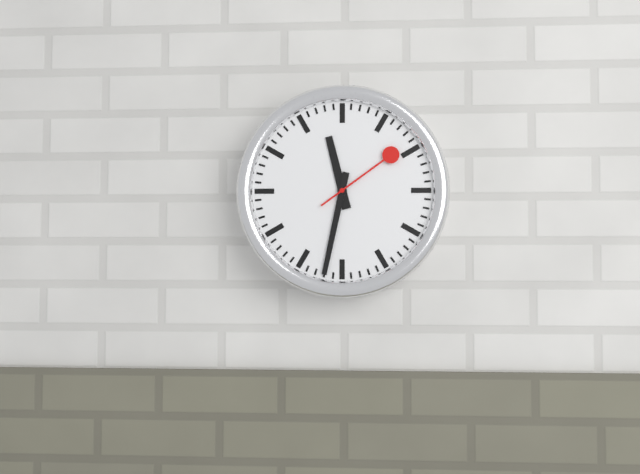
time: 11:32:09
